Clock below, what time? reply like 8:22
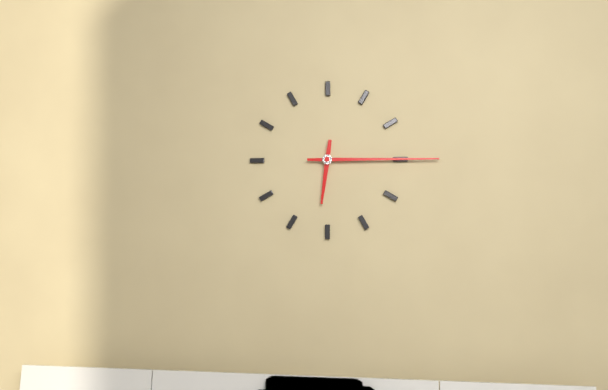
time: 6:15
